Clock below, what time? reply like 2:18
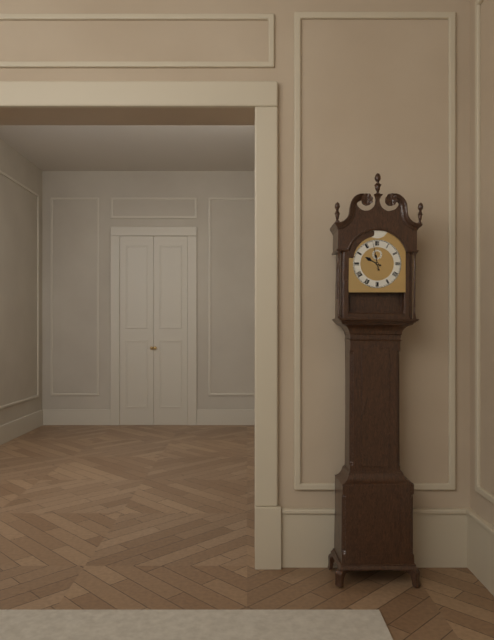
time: 9:58
